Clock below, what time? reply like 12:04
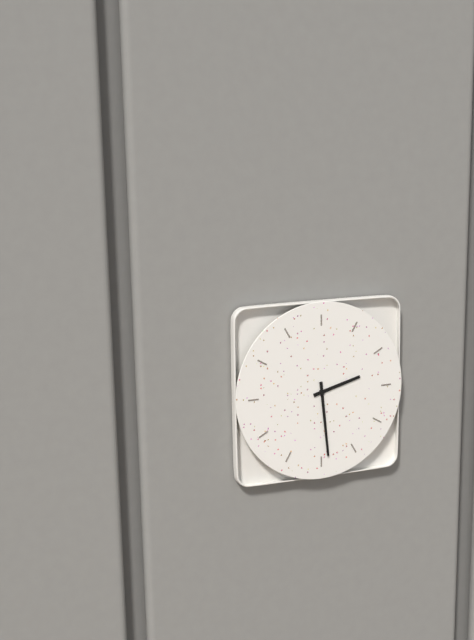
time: 2:29
